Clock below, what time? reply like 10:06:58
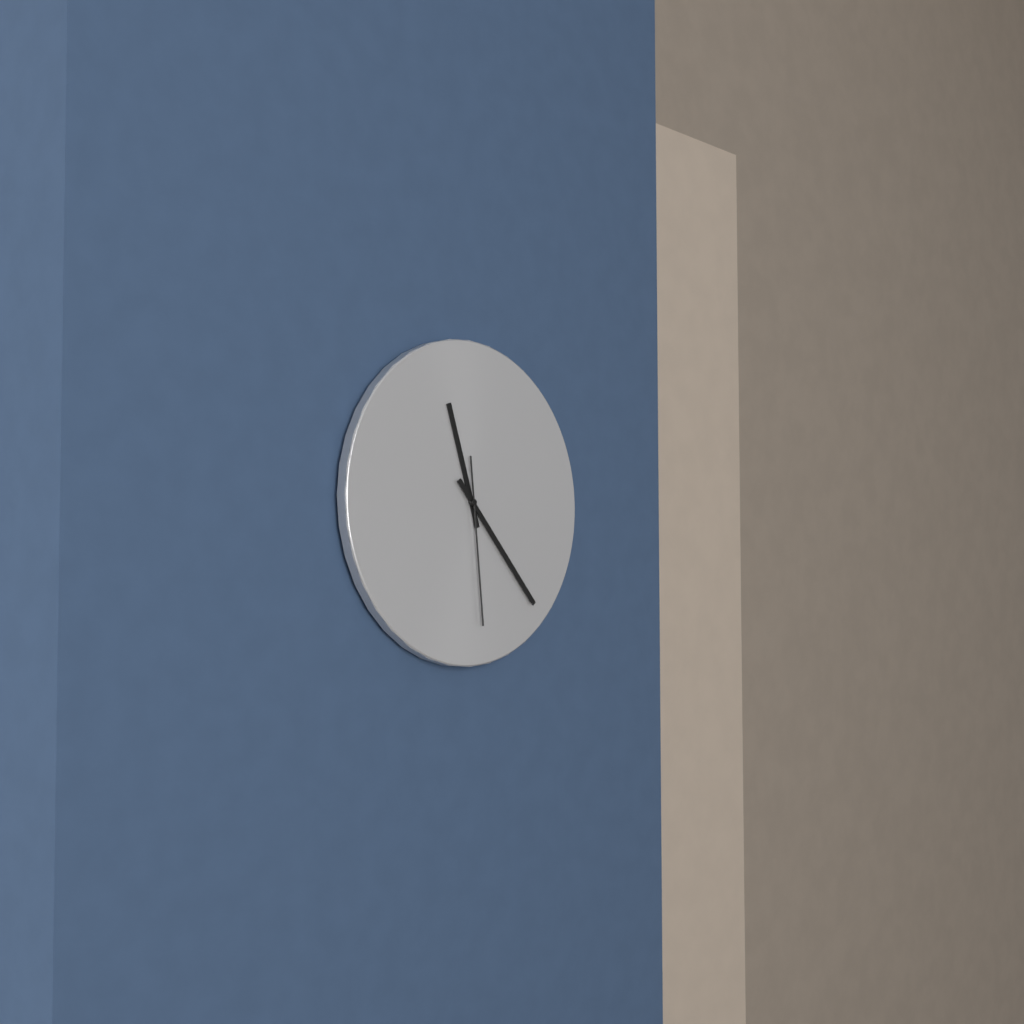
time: 11:23:29
